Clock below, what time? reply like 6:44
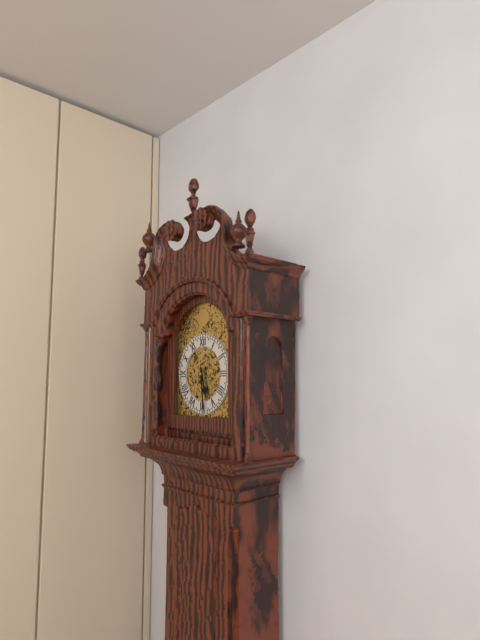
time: 5:29
